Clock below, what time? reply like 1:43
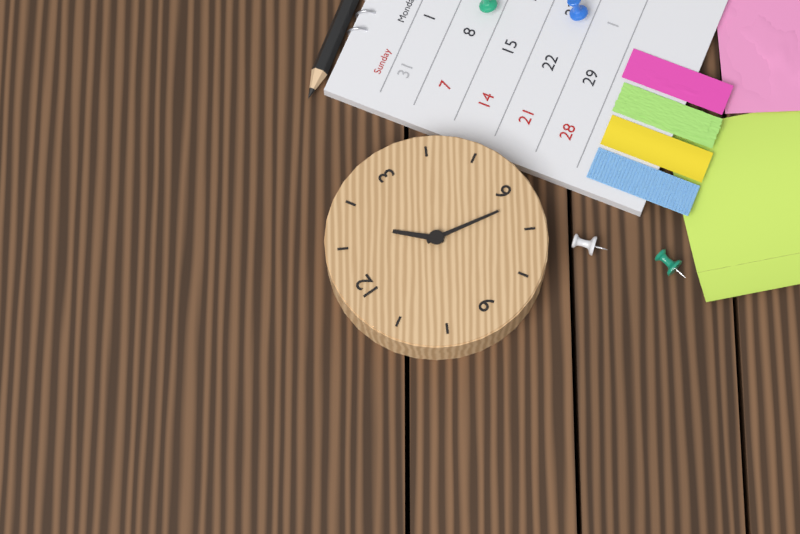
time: 1:32
